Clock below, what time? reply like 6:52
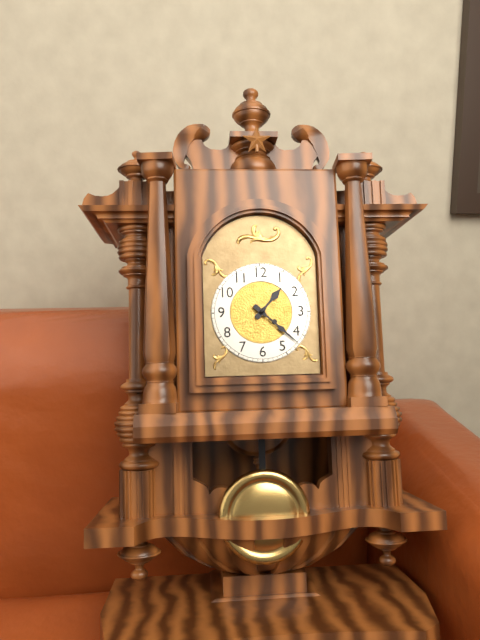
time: 1:22
